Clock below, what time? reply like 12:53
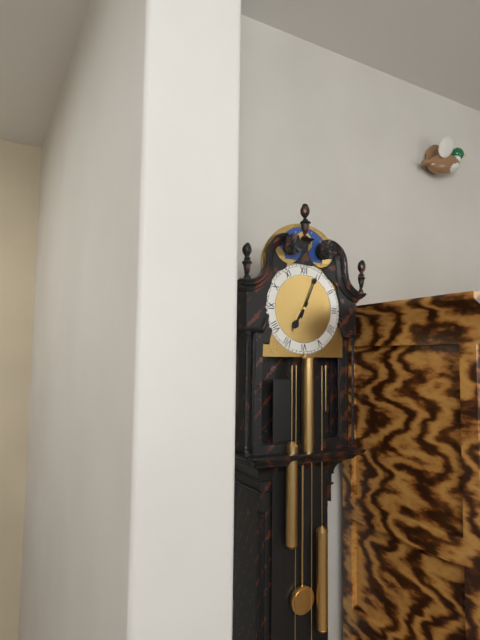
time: 7:04
